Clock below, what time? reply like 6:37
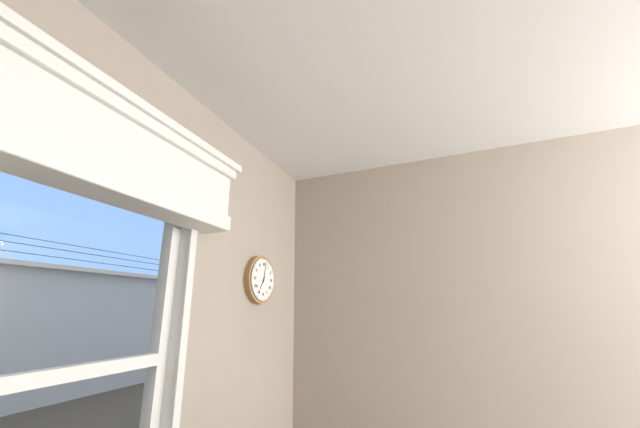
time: 7:02
